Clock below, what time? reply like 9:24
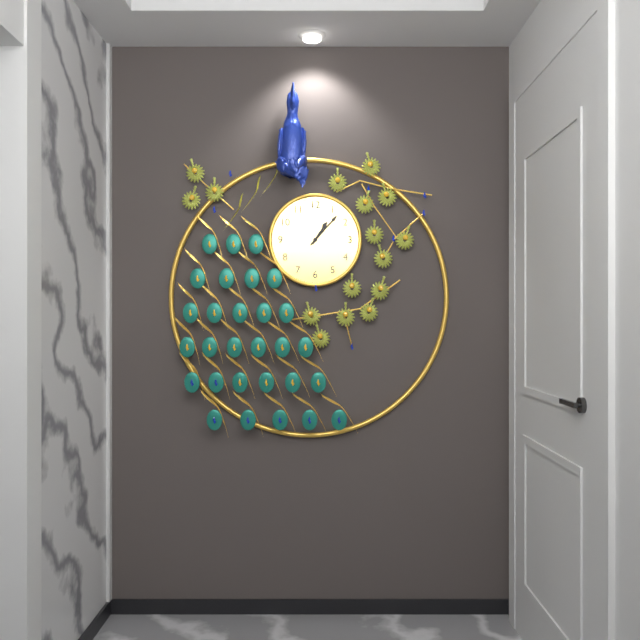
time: 1:07
